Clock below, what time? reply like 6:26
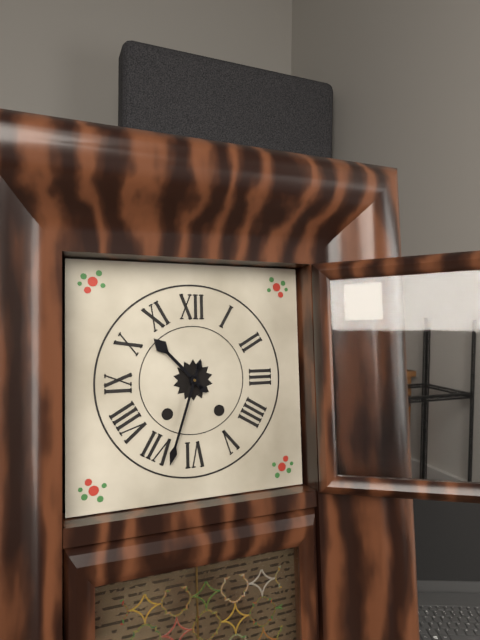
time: 10:33
